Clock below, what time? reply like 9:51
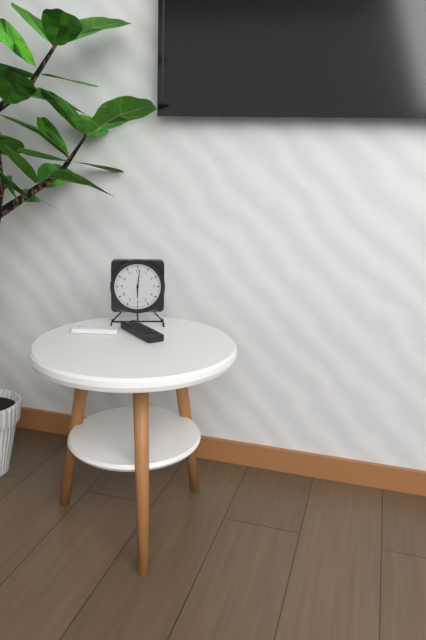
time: 6:01
